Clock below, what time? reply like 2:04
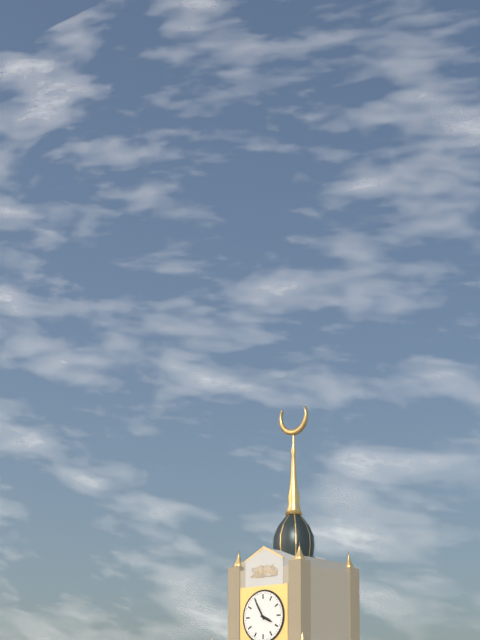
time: 3:55
